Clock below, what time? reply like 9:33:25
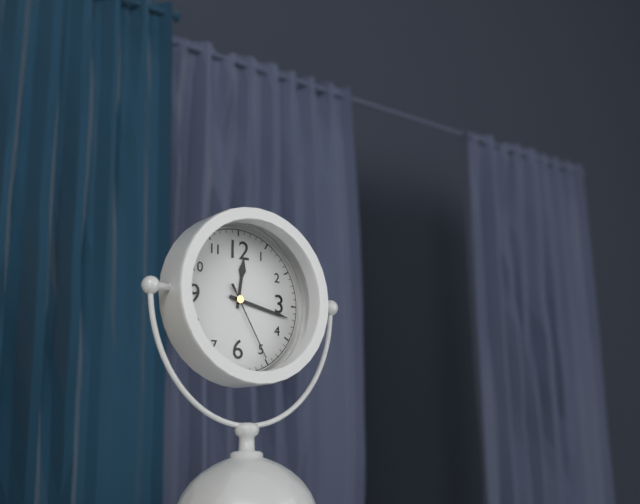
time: 12:17:25
